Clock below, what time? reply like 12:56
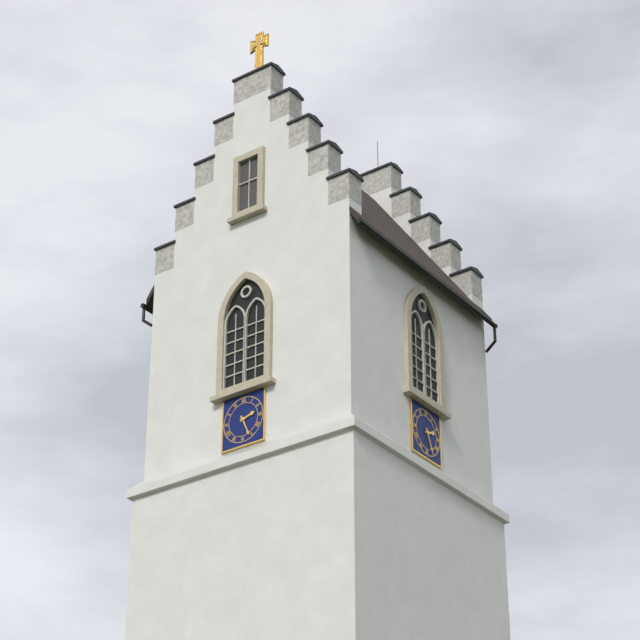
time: 2:26
